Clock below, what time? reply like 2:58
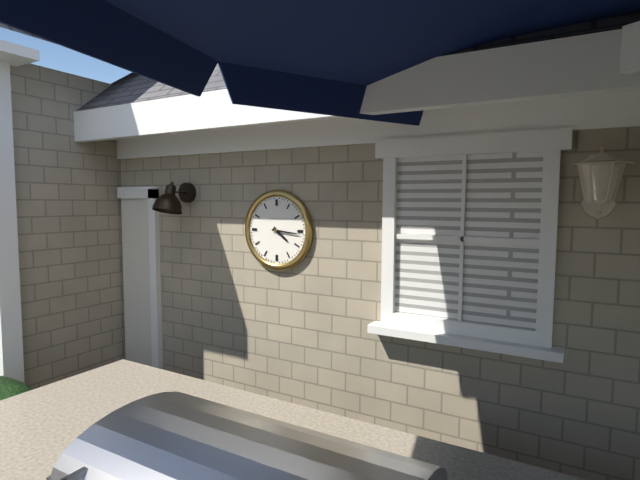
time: 4:16
